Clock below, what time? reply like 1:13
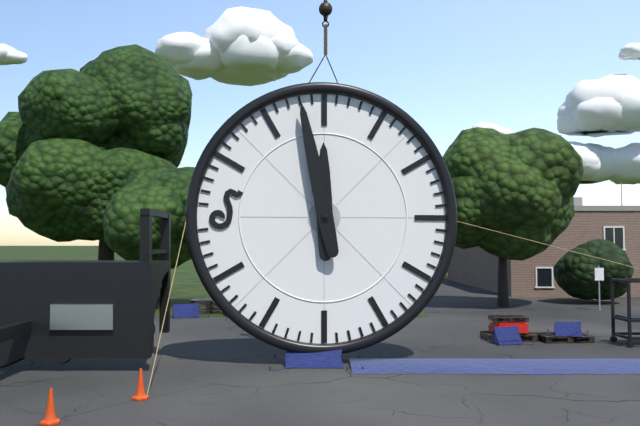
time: 11:58
